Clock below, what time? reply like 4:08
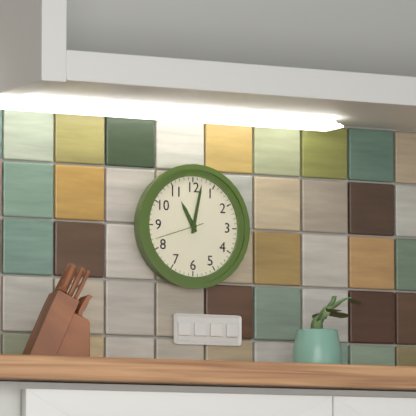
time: 11:02
